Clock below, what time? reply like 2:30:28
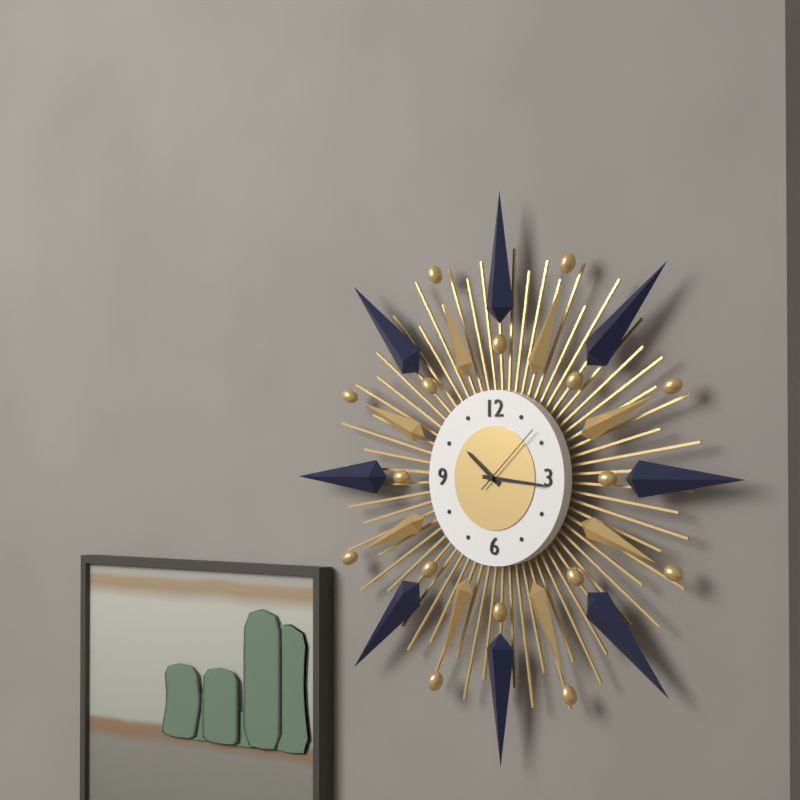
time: 10:16:08
